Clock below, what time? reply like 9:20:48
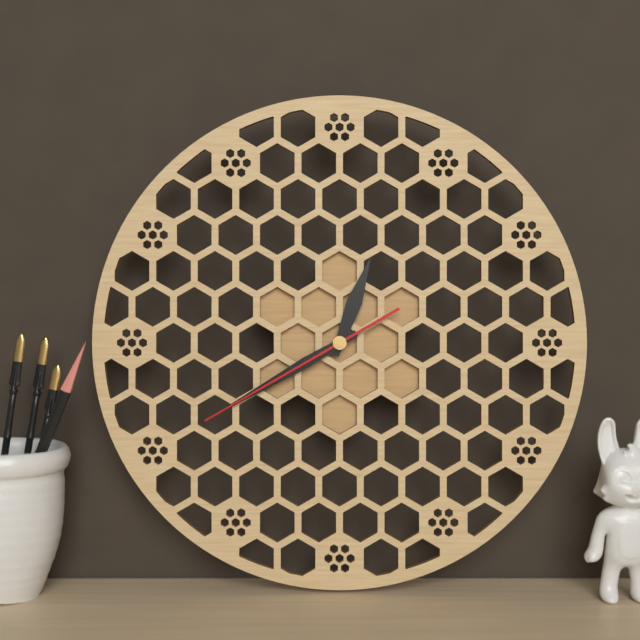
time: 12:40:40
